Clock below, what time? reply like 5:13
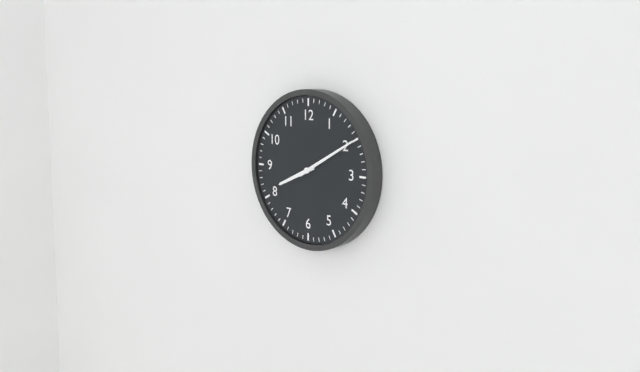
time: 8:10
